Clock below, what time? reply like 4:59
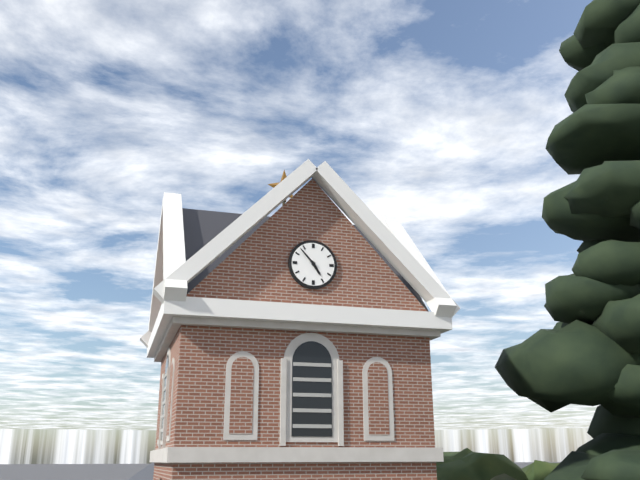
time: 4:53
